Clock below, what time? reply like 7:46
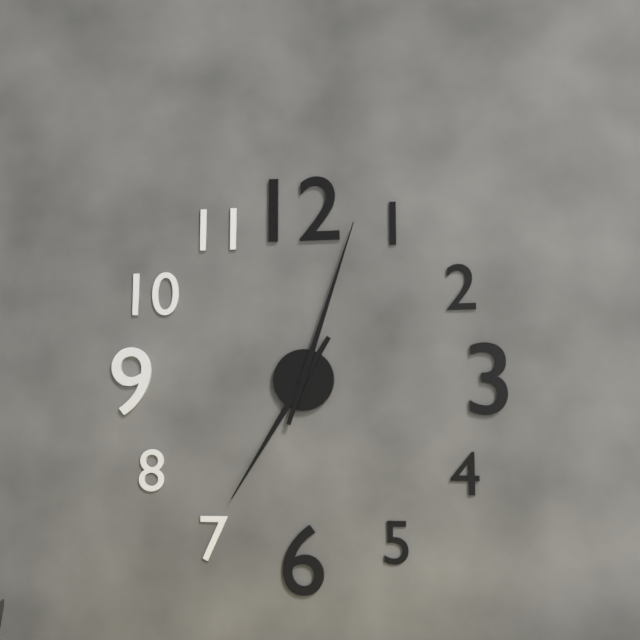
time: 7:03
